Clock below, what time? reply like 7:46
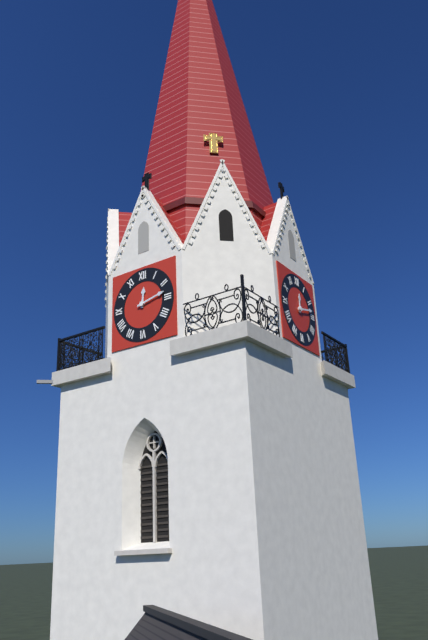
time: 12:13
